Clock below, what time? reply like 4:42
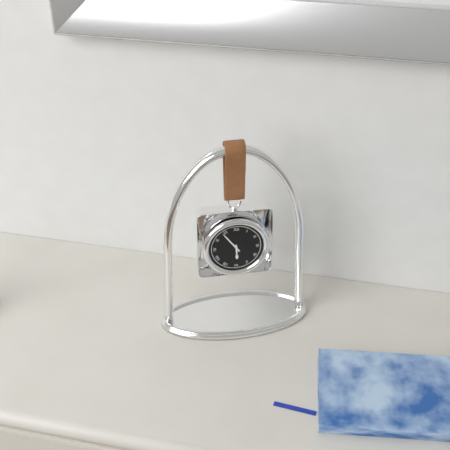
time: 5:54
